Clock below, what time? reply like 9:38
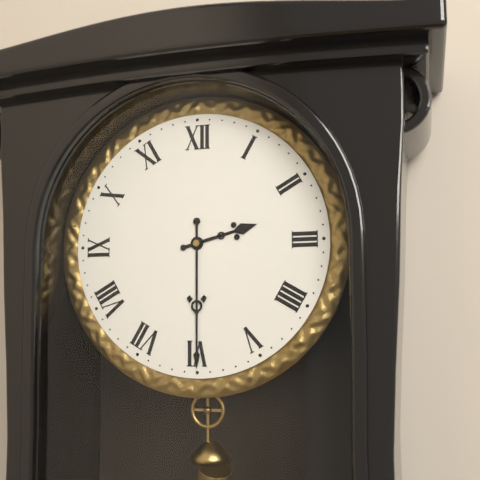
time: 2:30
